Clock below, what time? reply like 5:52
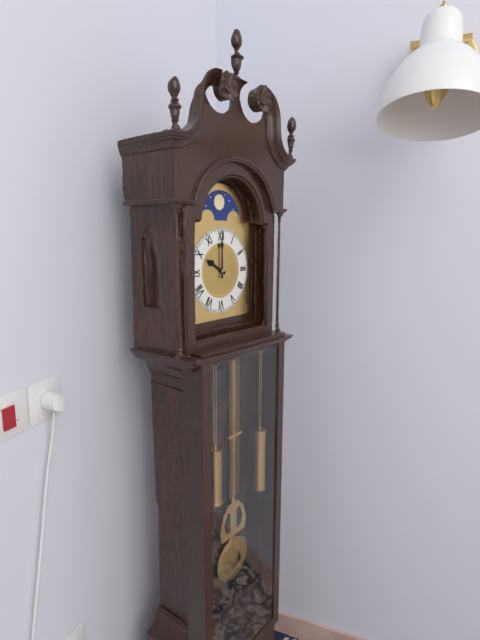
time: 10:00
